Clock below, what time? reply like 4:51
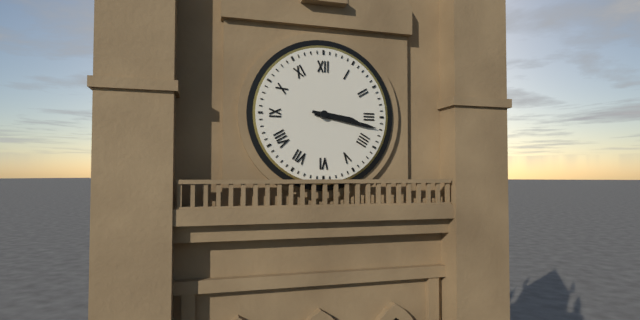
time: 3:17
